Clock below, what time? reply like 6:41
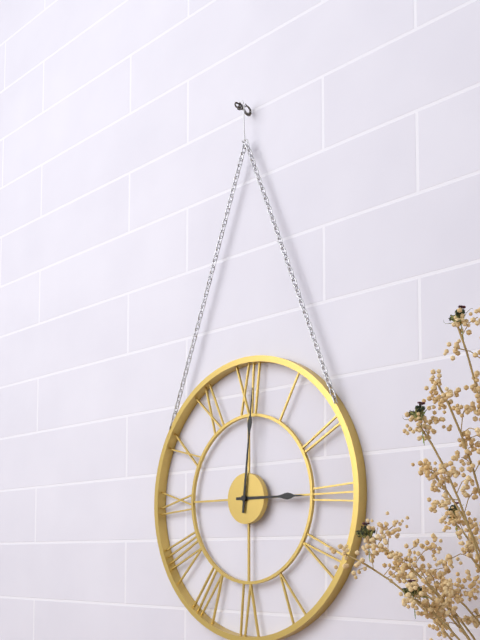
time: 3:01
